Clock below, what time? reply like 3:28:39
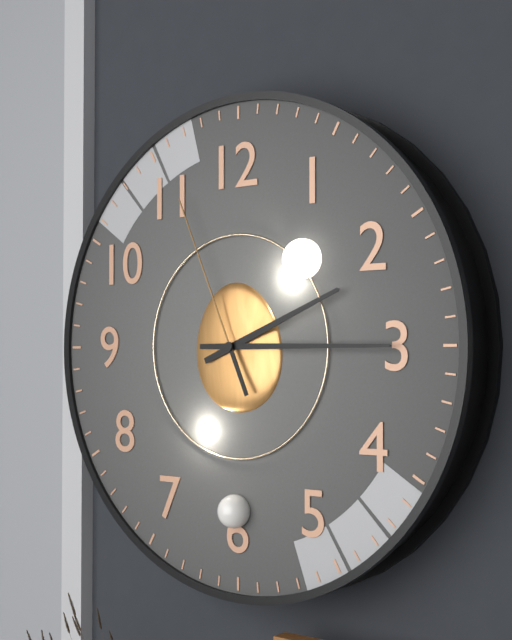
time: 2:15:56
